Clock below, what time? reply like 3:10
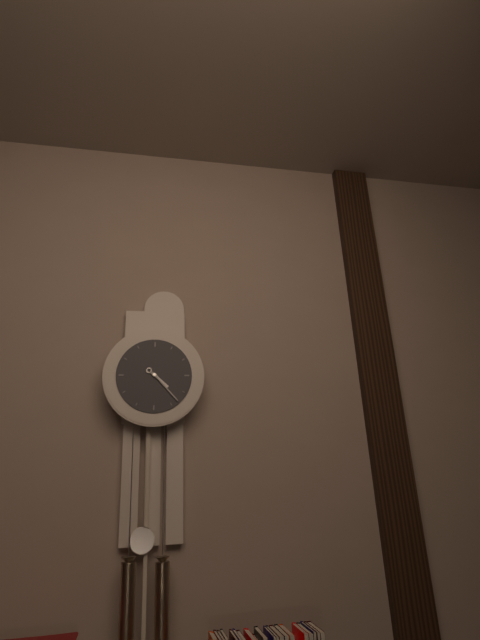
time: 4:23
